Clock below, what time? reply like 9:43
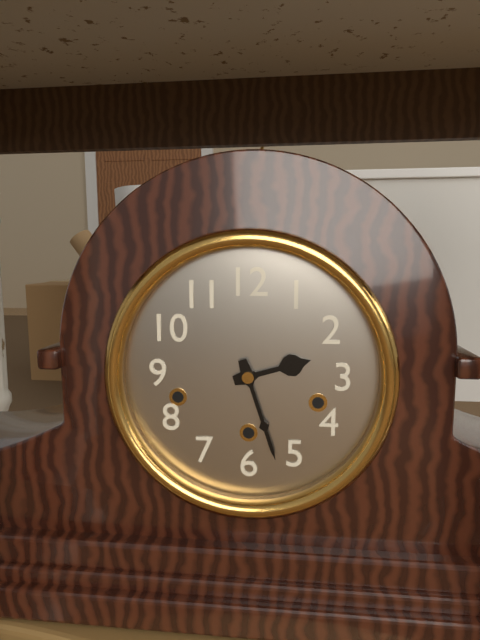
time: 2:27
